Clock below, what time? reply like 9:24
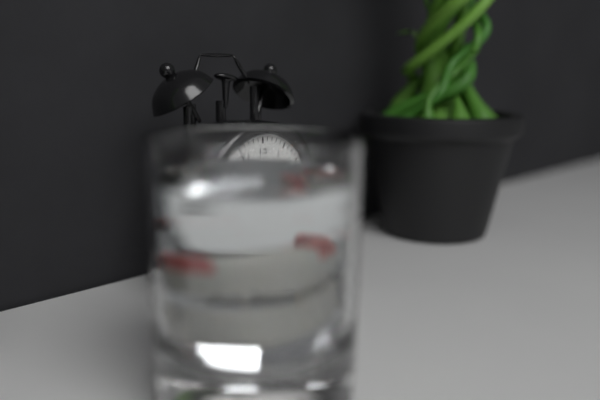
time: 11:54
